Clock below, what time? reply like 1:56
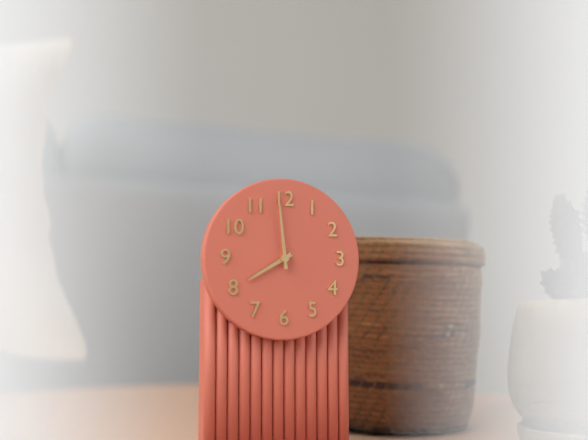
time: 7:59
